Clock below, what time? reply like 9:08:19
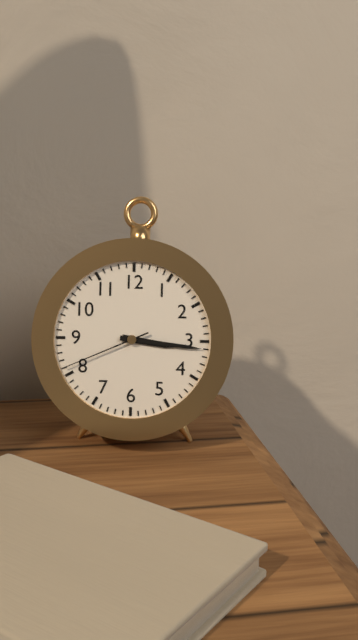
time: 3:16:41
